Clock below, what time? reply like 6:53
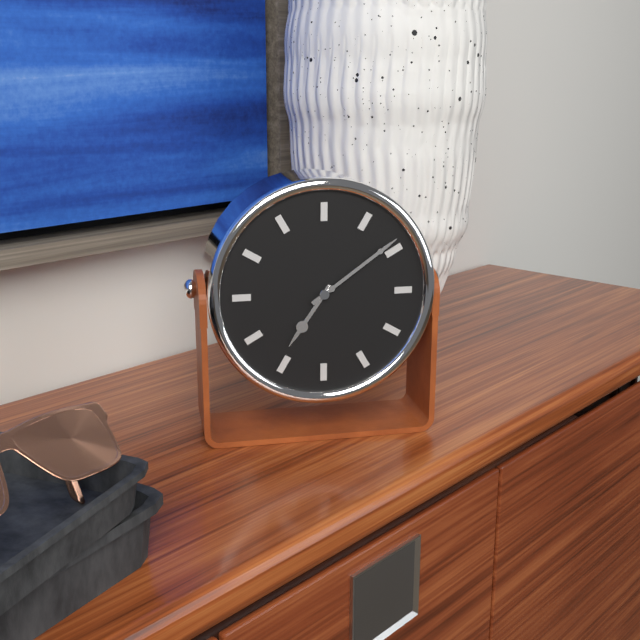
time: 7:09
